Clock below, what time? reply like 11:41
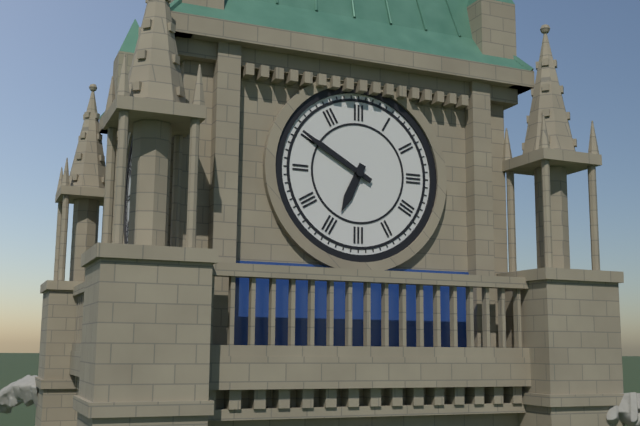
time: 6:50
